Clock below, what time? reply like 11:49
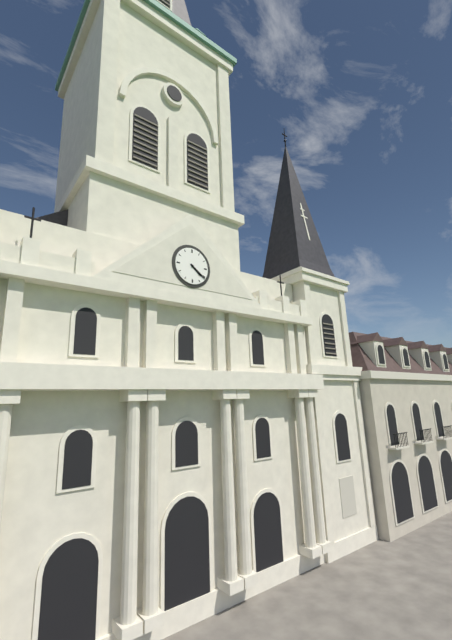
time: 4:21
